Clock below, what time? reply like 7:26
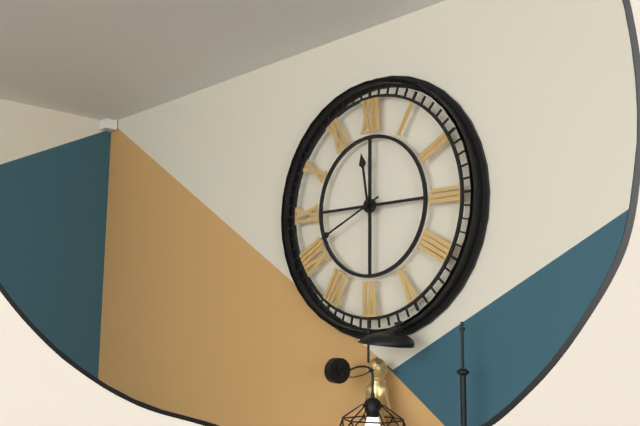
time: 11:41
